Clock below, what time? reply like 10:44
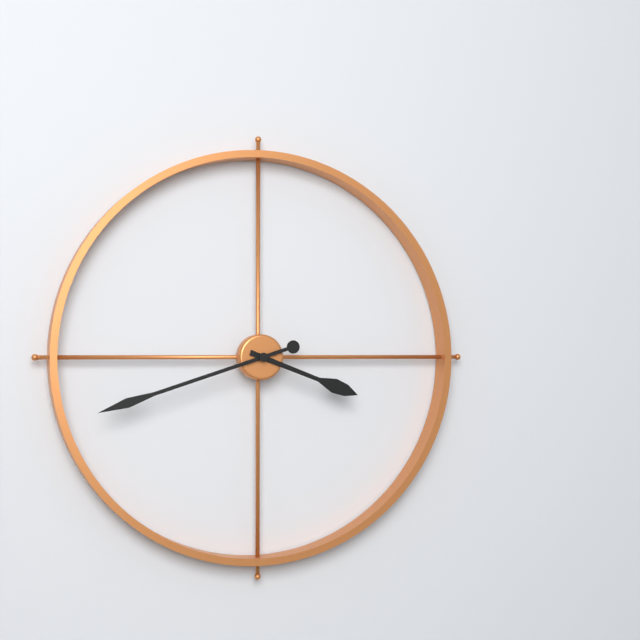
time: 3:42
